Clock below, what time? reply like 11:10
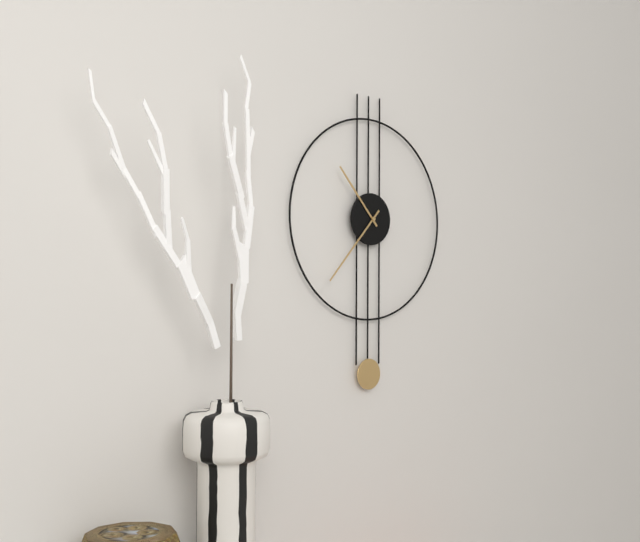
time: 10:37
